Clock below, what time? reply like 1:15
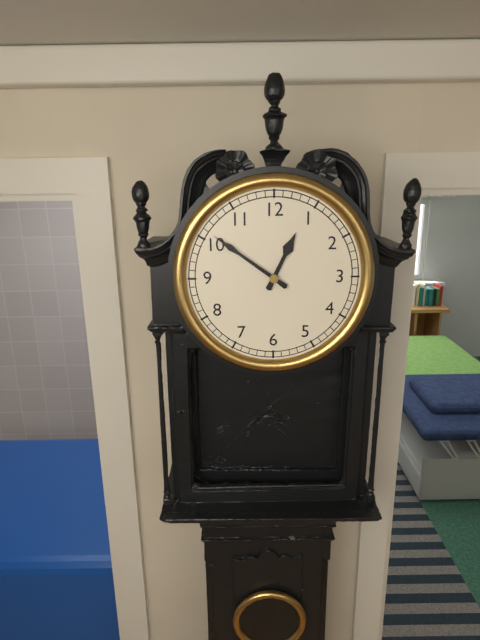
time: 12:51
